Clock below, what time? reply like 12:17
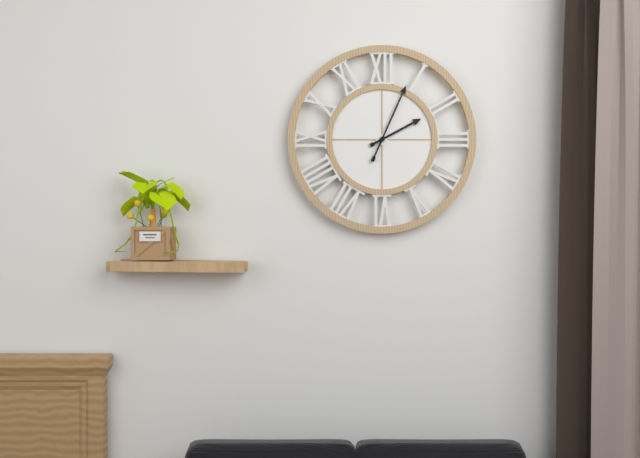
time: 2:04
